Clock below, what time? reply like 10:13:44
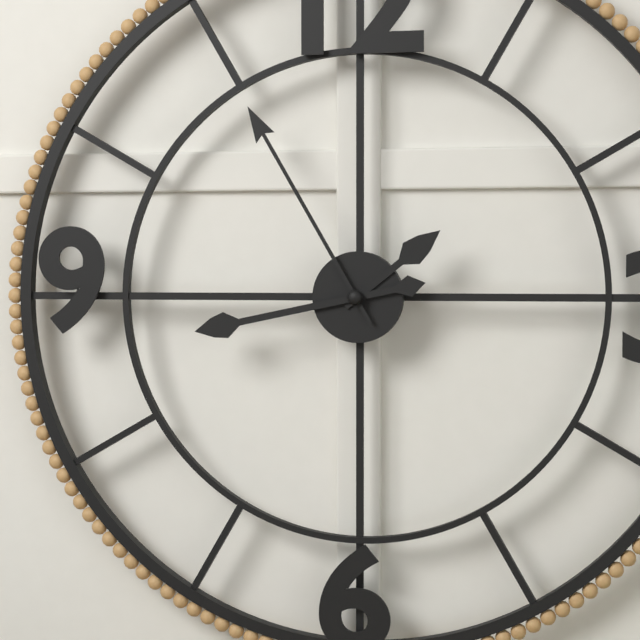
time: 1:43:55
